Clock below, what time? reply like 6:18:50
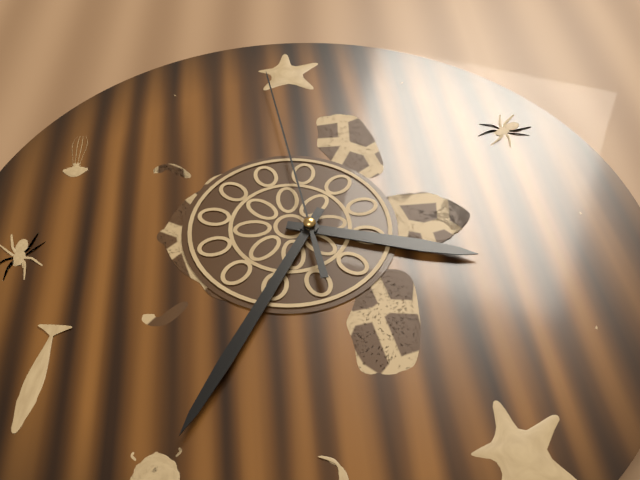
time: 3:35:59
